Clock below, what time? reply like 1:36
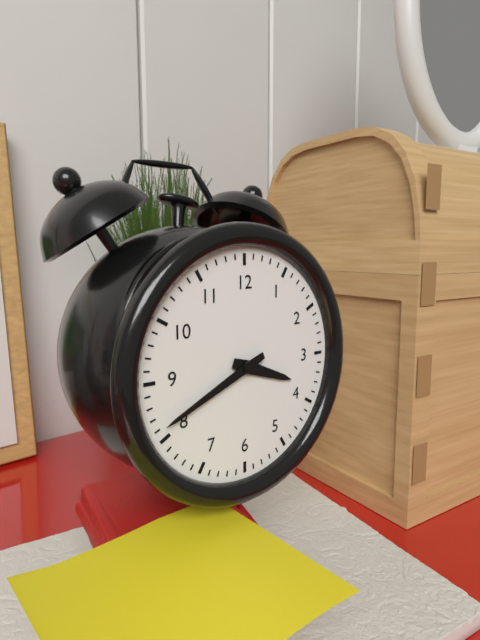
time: 3:41
